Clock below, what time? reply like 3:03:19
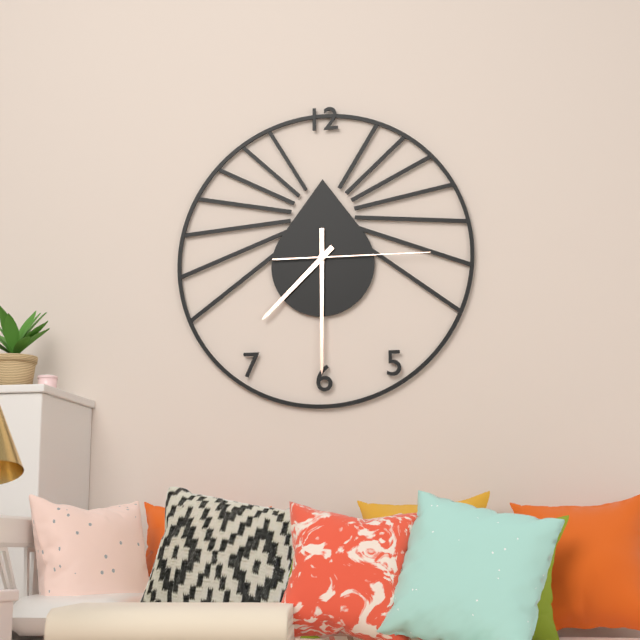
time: 7:30:15
